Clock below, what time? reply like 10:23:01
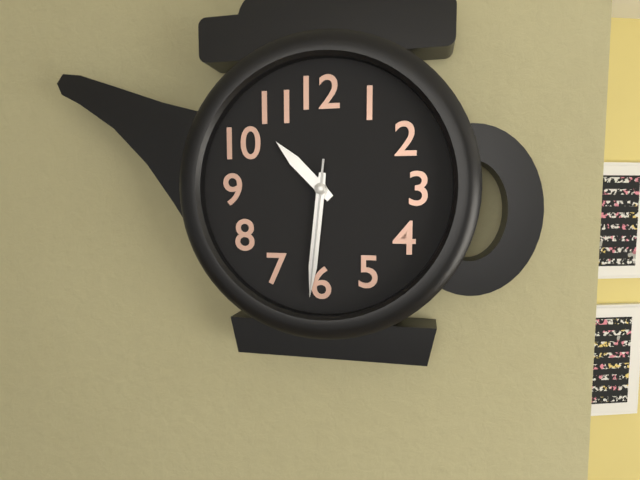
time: 10:31:31
